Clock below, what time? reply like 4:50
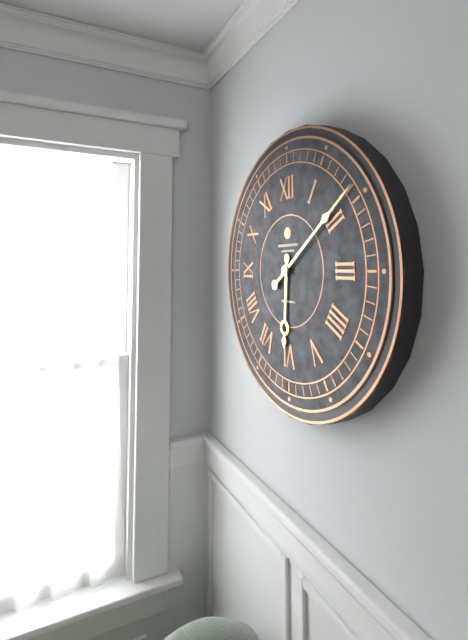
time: 6:09
